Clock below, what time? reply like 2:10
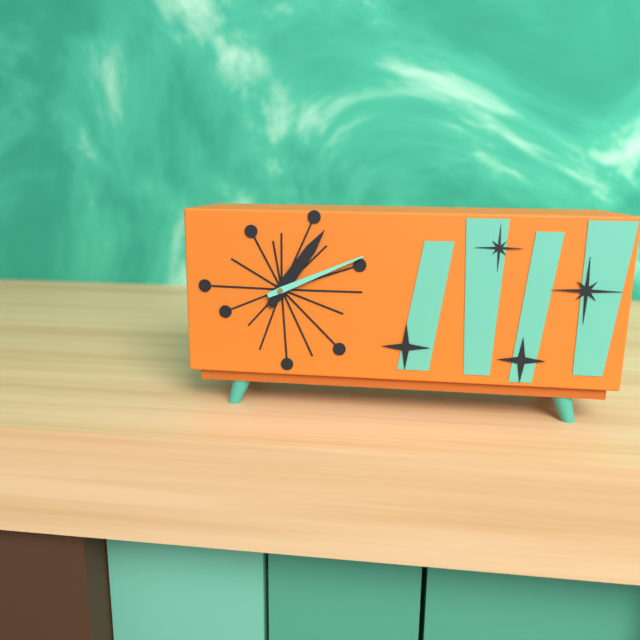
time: 1:11
